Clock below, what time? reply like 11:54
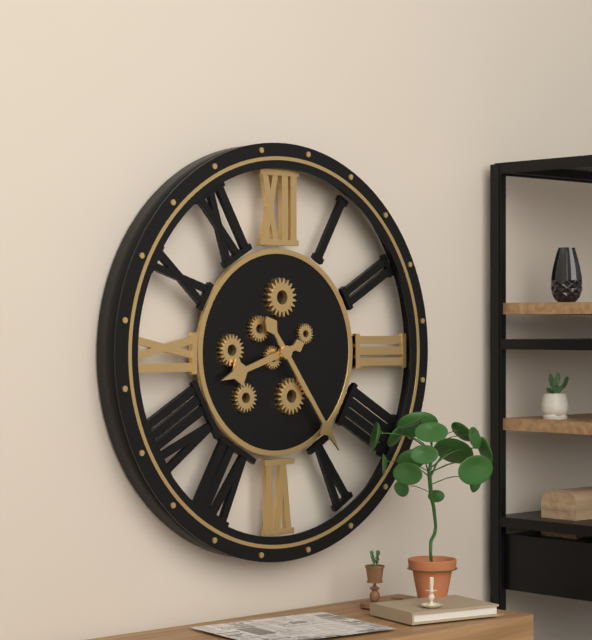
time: 8:24
